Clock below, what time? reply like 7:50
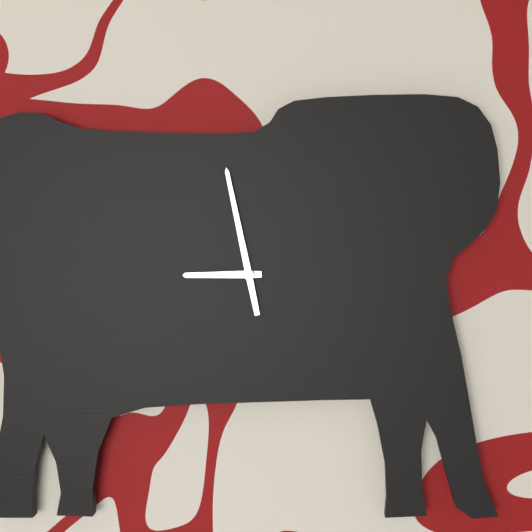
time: 8:58
